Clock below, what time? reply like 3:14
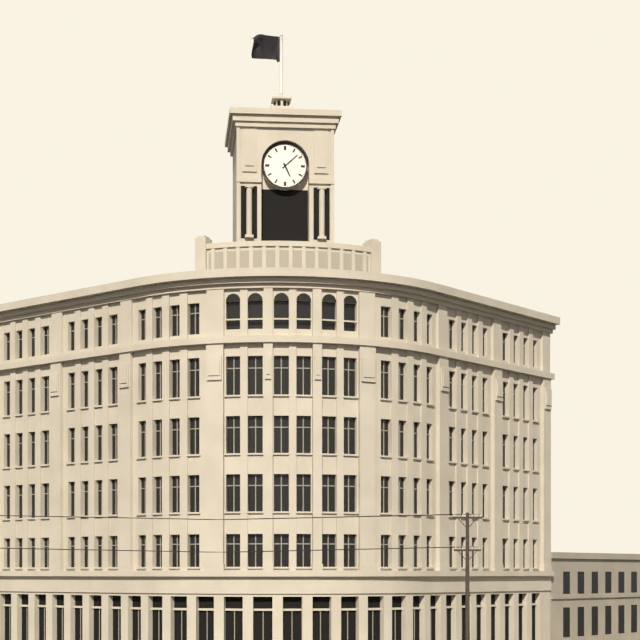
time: 5:08
